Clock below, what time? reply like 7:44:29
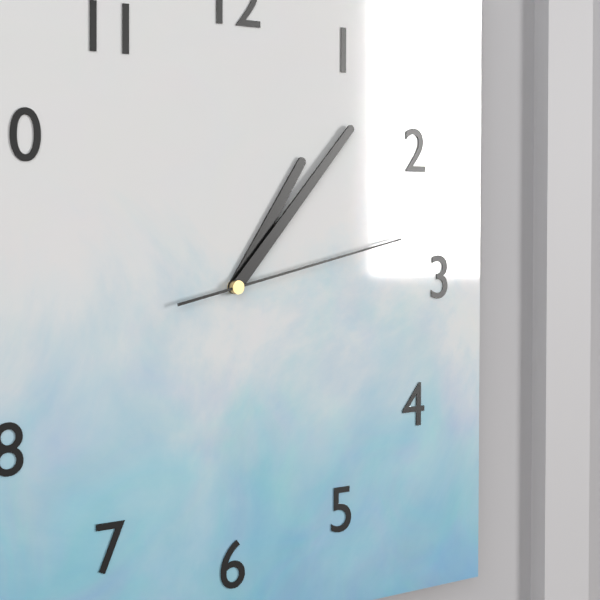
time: 1:07:13
